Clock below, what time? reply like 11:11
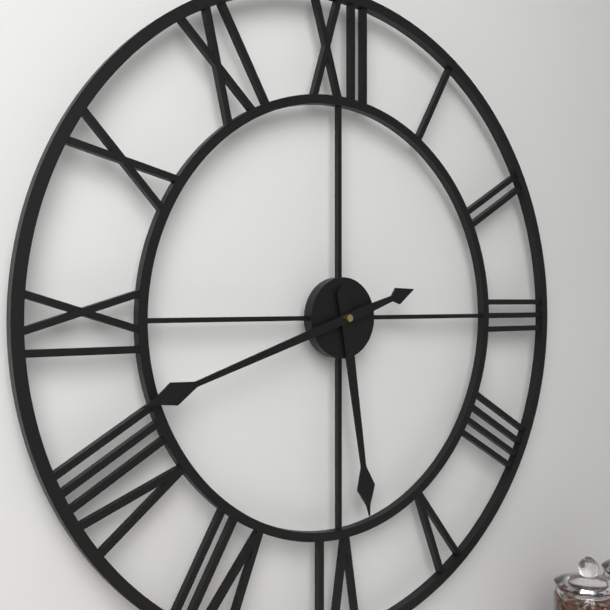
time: 5:42
